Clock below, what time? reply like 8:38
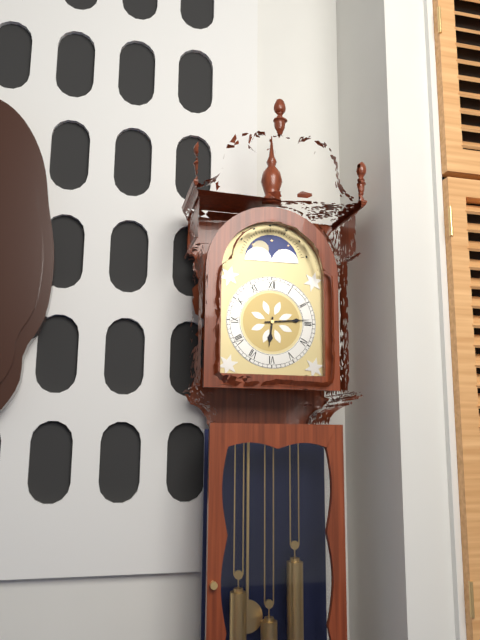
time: 6:14
